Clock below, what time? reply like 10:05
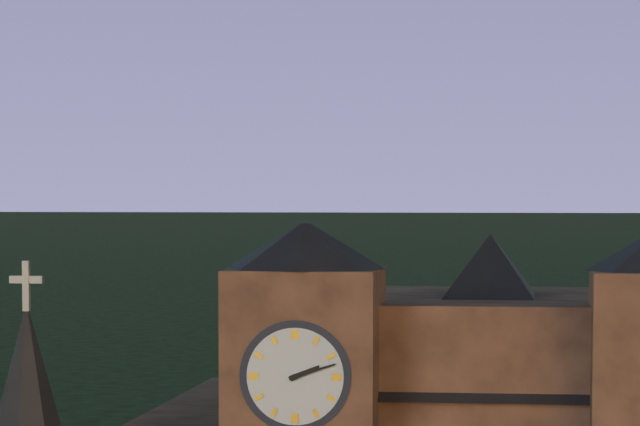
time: 2:12
